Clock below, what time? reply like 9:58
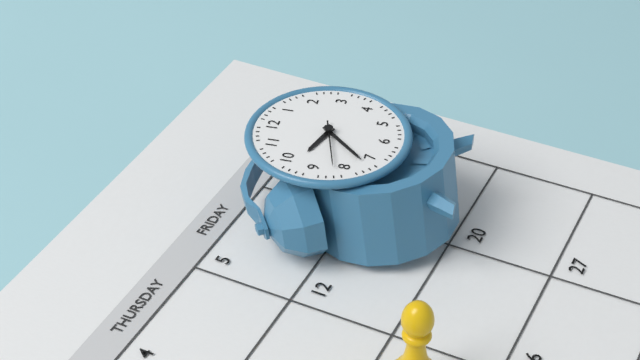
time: 9:37
